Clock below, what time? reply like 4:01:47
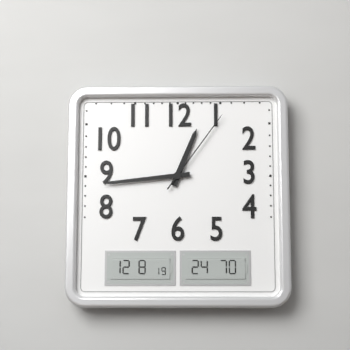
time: 12:44:06
